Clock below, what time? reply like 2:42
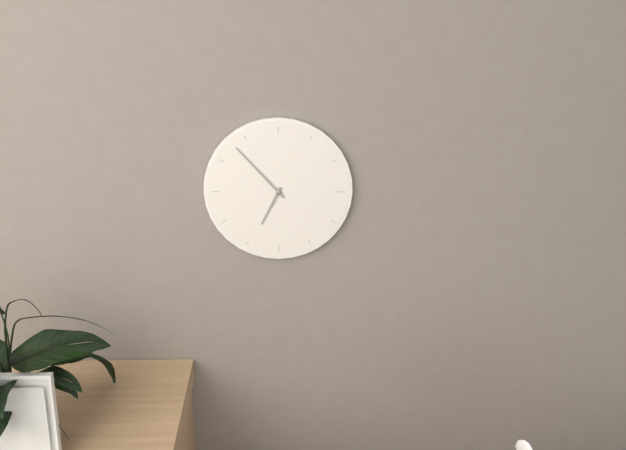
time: 6:53
